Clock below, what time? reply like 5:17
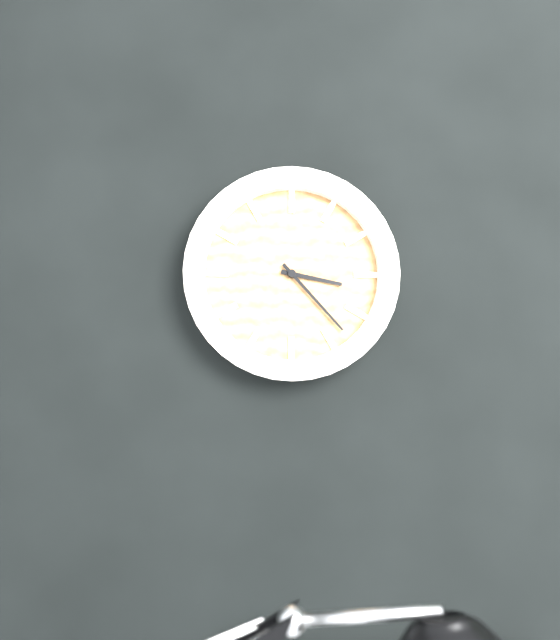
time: 3:23
